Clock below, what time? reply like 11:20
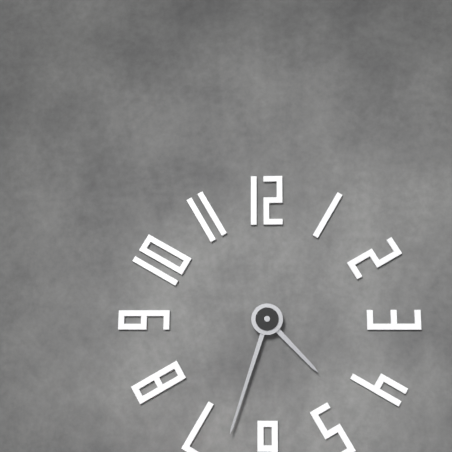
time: 4:33
